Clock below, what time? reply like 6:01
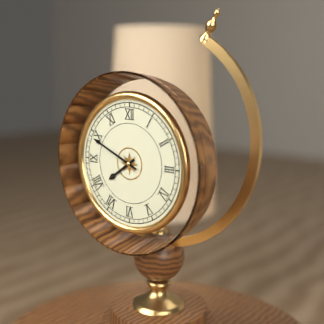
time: 7:49
